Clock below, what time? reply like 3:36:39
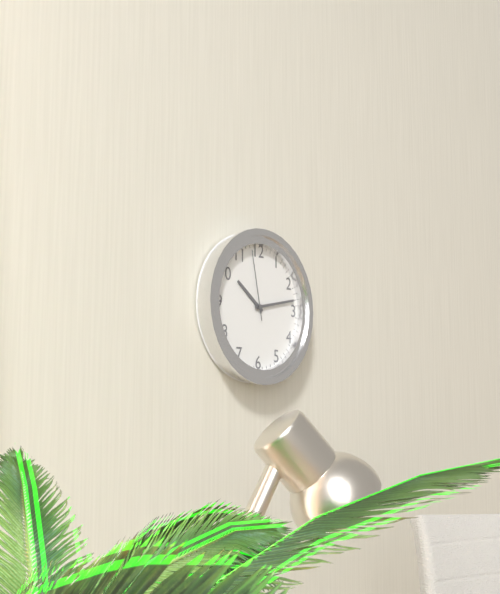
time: 10:13:58
